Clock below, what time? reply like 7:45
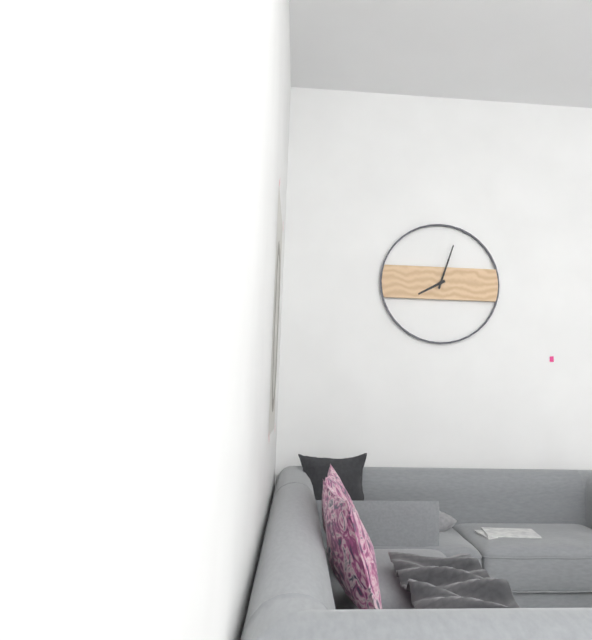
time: 8:03
